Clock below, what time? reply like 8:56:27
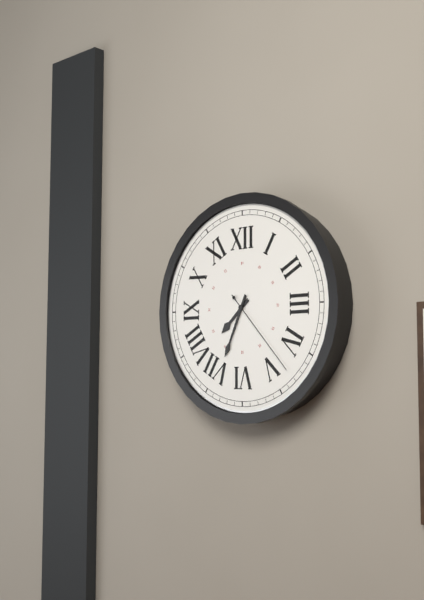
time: 7:34:23
